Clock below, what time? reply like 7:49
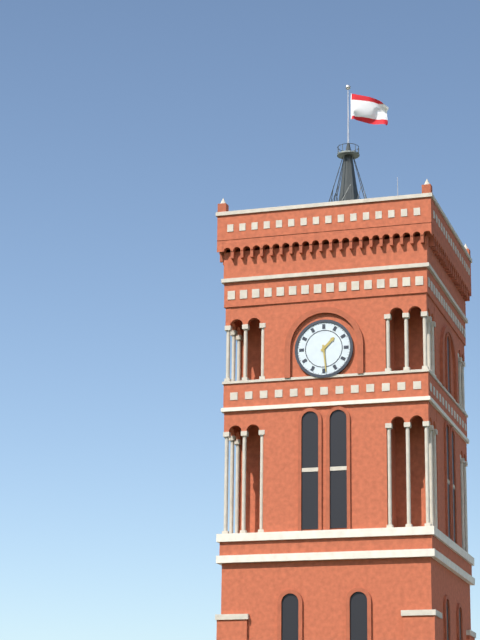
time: 1:29
